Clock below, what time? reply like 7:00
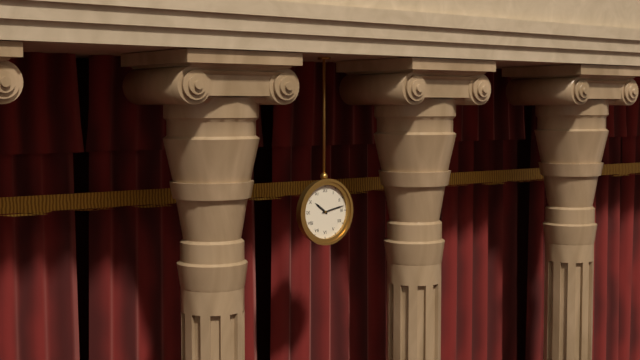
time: 10:13
